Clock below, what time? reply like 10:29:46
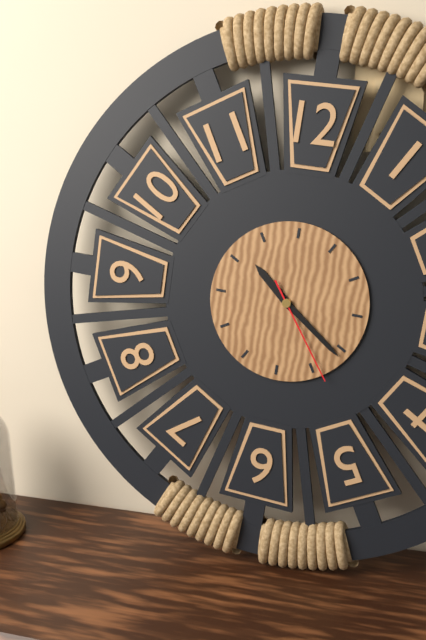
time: 10:21:24
